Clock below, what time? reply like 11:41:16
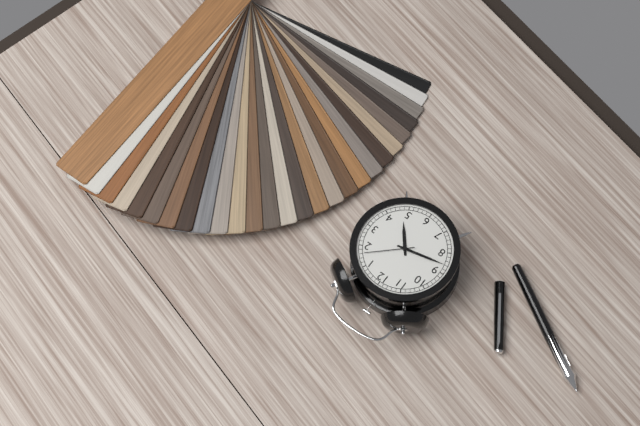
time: 4:43:08
